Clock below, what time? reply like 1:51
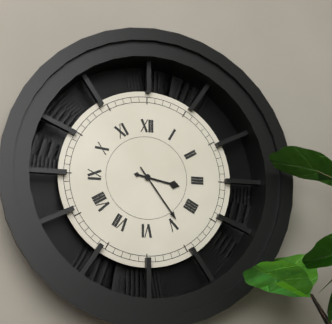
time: 3:24
